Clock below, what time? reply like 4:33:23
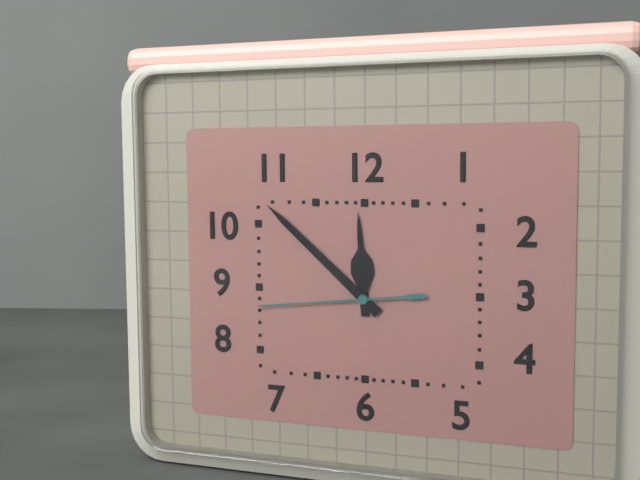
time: 11:52:44
